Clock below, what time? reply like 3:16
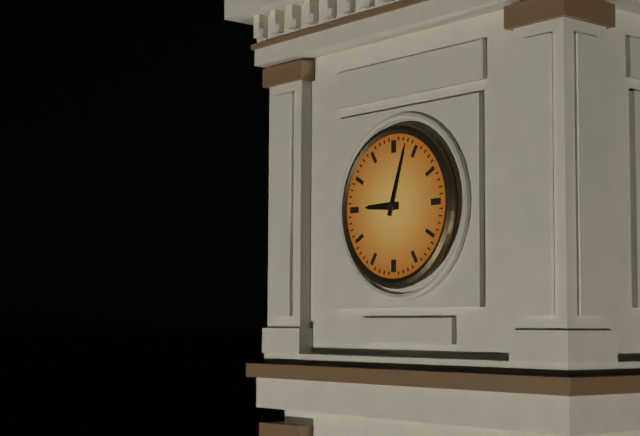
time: 9:03
